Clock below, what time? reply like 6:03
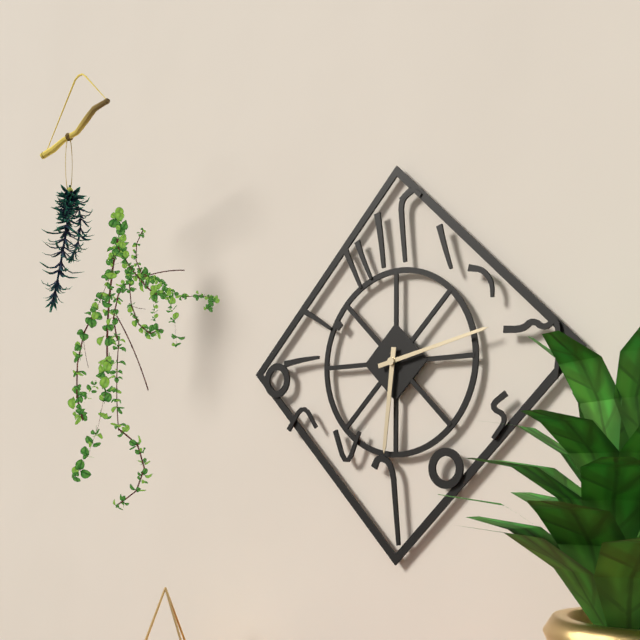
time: 6:13
